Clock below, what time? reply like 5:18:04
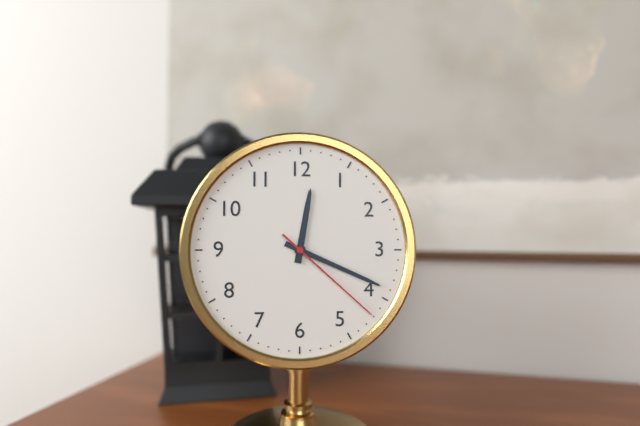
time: 12:19:22
